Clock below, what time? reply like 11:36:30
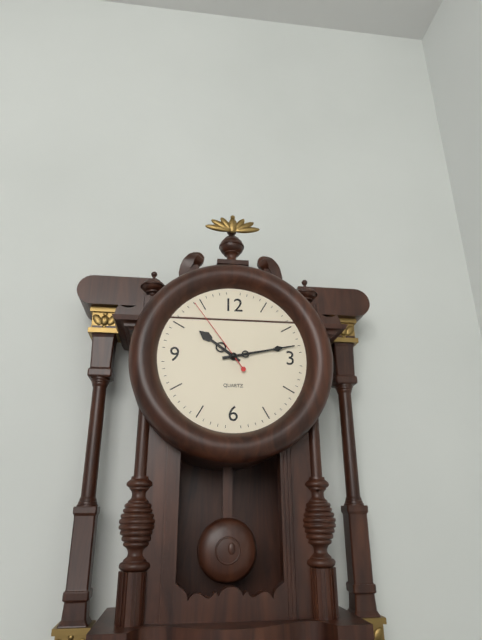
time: 10:13:54
